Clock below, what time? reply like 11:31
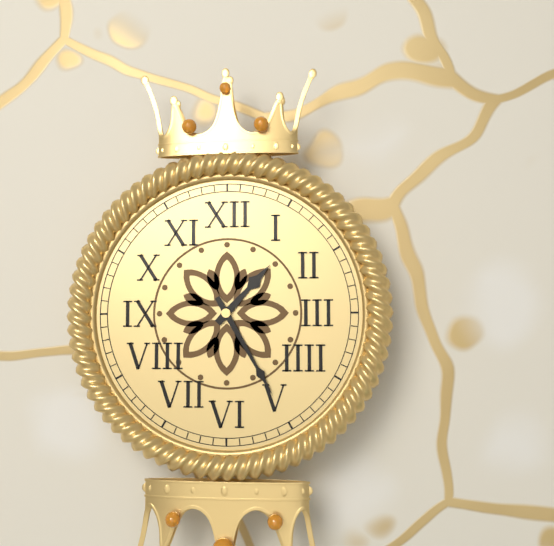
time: 1:25
